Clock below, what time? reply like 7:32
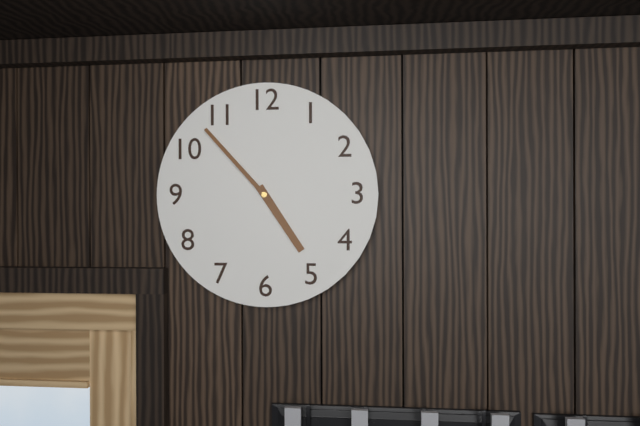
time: 4:53
